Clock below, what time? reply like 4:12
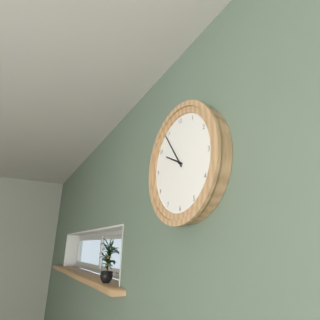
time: 9:54
